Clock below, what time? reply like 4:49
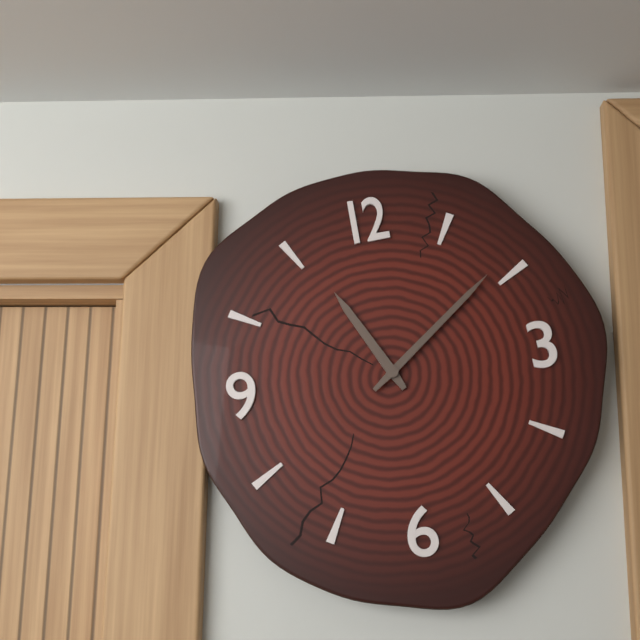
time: 11:09
